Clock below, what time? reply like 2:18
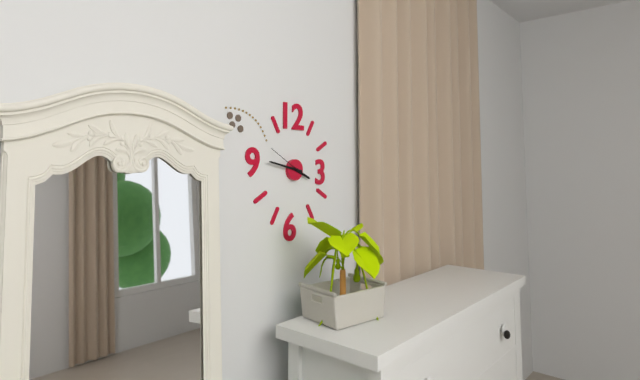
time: 3:47
